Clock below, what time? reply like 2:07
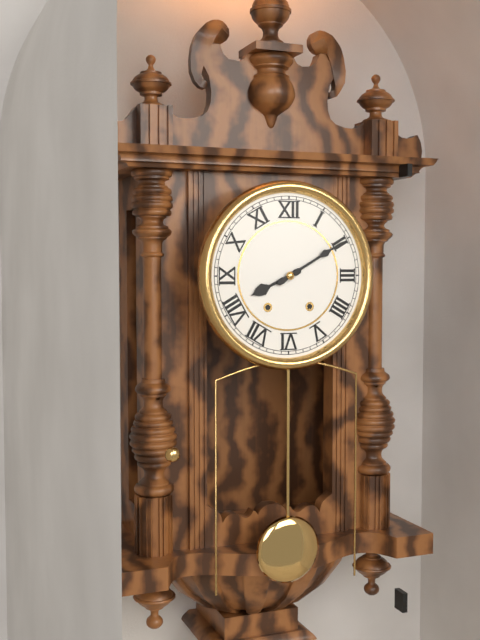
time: 8:10
